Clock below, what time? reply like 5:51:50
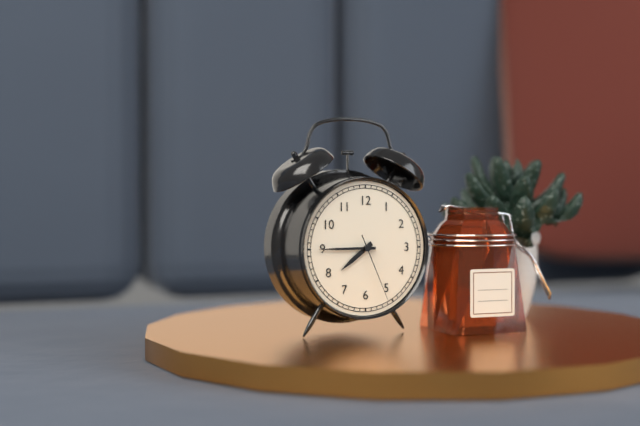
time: 7:45:26
